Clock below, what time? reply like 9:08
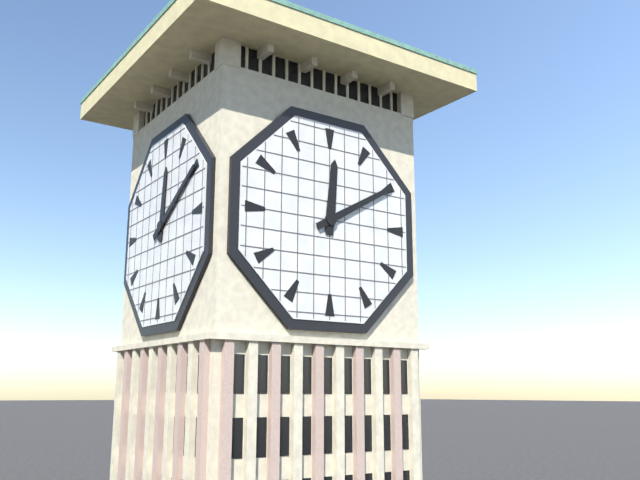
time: 12:10
